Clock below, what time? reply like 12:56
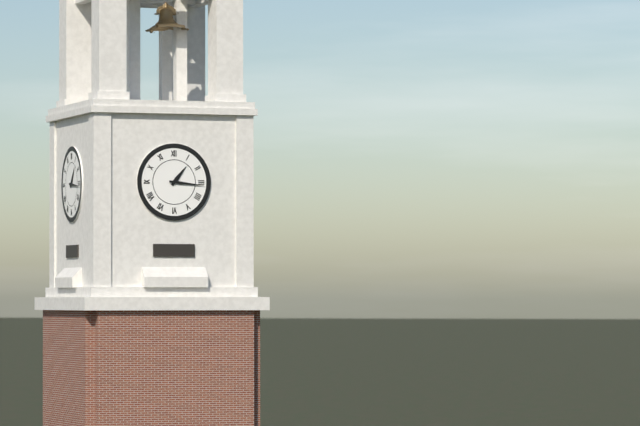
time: 1:16
